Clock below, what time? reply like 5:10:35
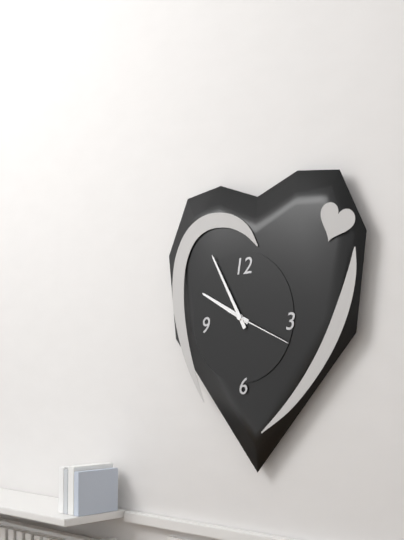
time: 9:55:19
